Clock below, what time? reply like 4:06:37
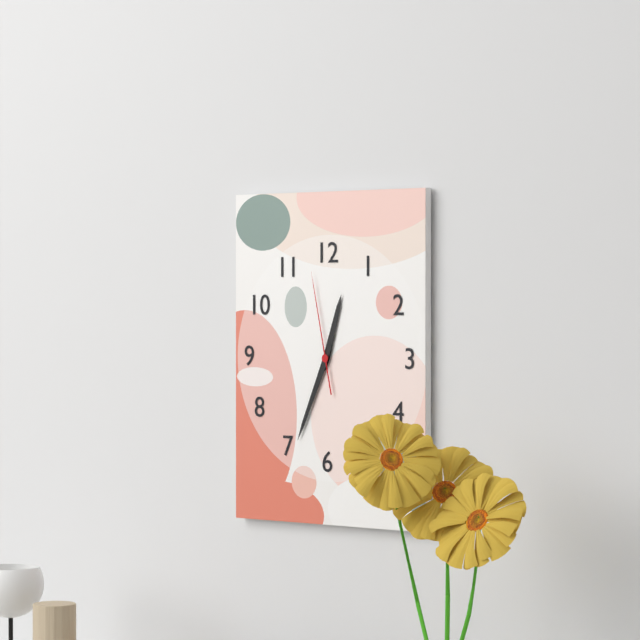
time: 12:34:58
